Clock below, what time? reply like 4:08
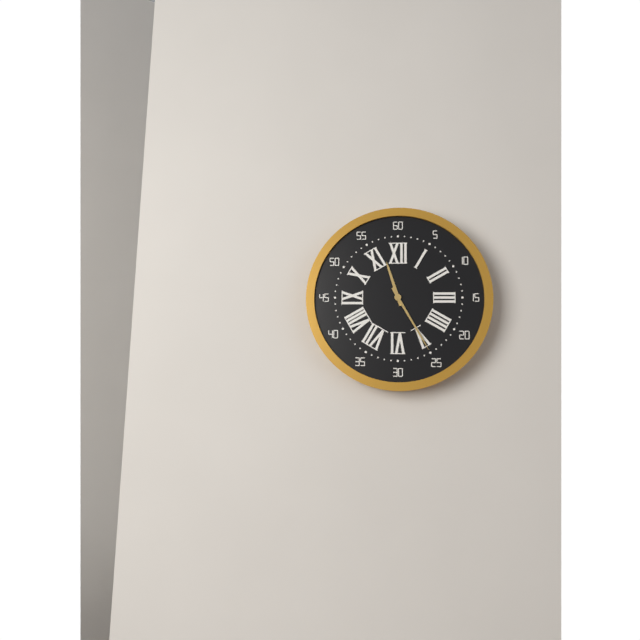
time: 11:25
